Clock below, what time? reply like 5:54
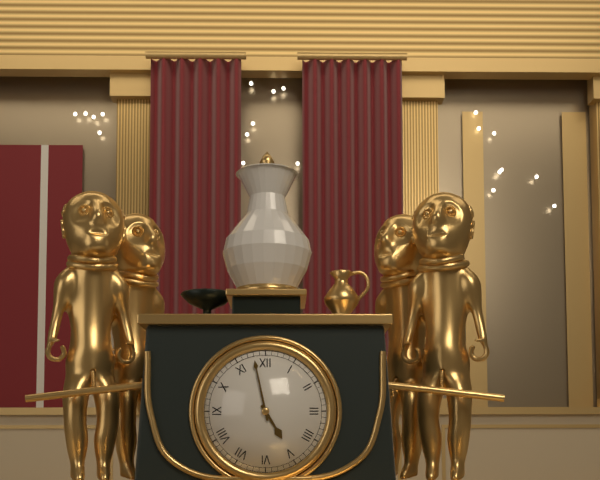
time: 4:58
